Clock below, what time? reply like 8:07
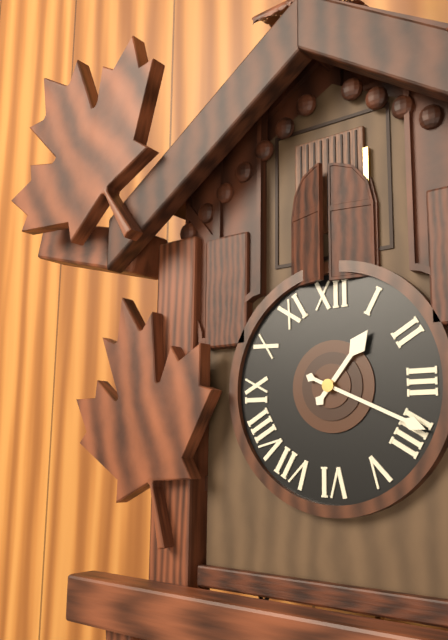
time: 1:19
